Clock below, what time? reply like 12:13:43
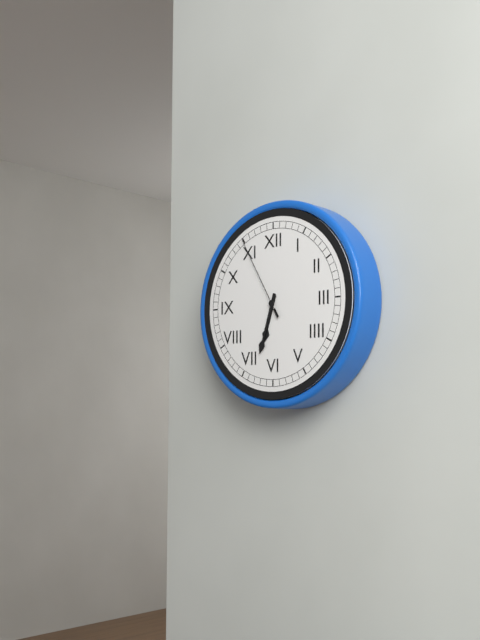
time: 6:33:55
